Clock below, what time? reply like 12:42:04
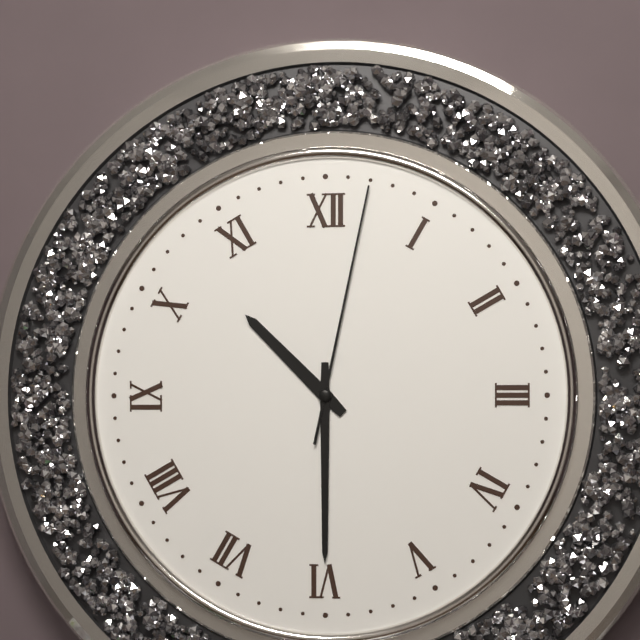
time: 10:30:02
